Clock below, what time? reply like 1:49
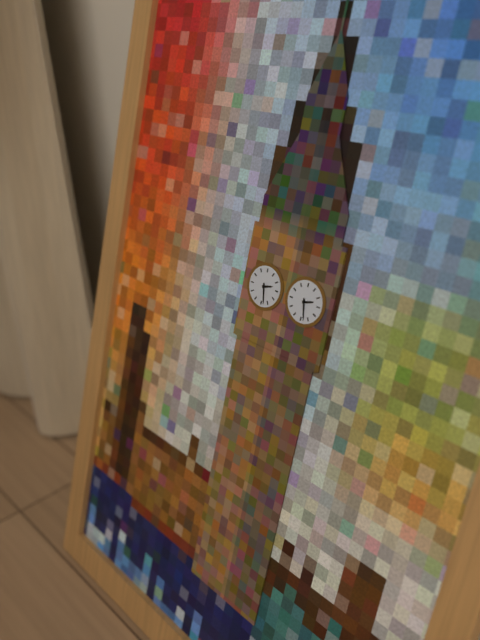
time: 2:28
